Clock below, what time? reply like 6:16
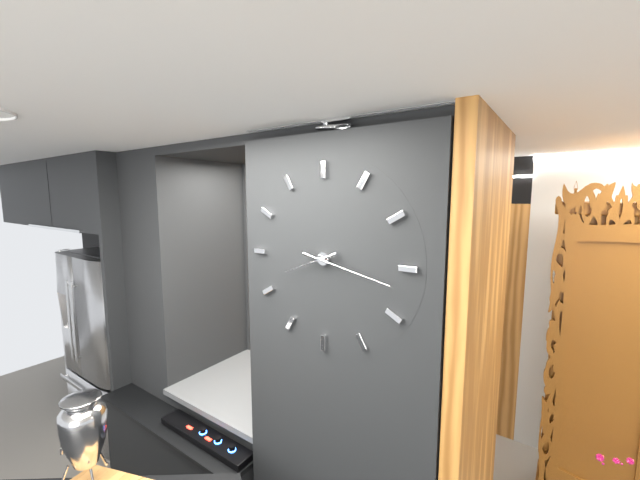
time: 8:17
